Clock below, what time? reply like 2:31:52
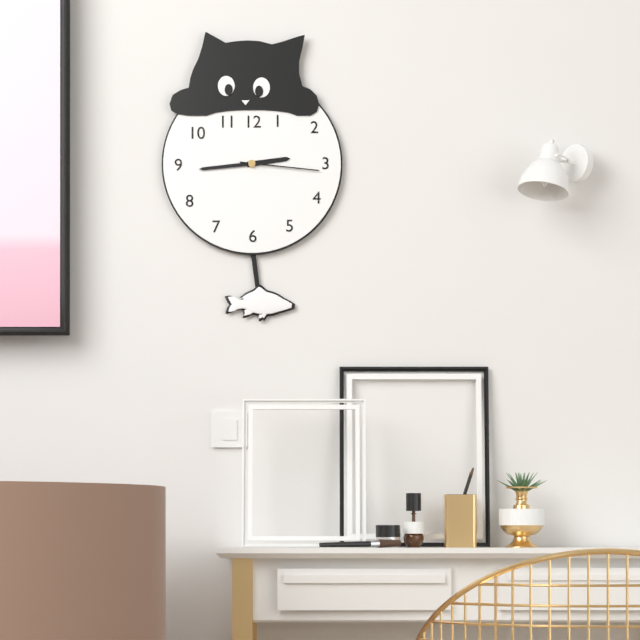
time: 2:44:16
